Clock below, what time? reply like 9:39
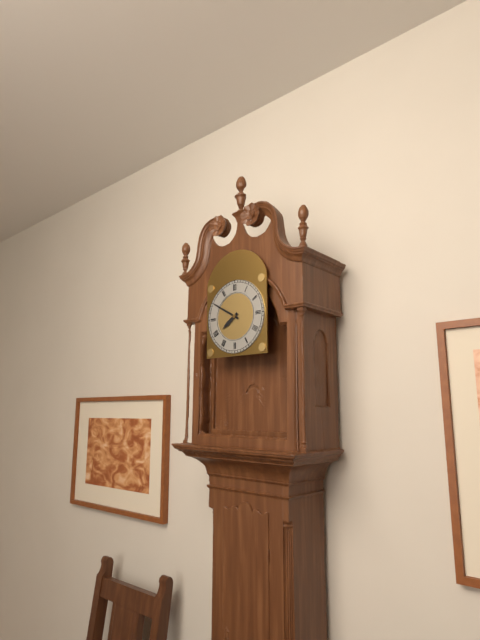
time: 7:50
